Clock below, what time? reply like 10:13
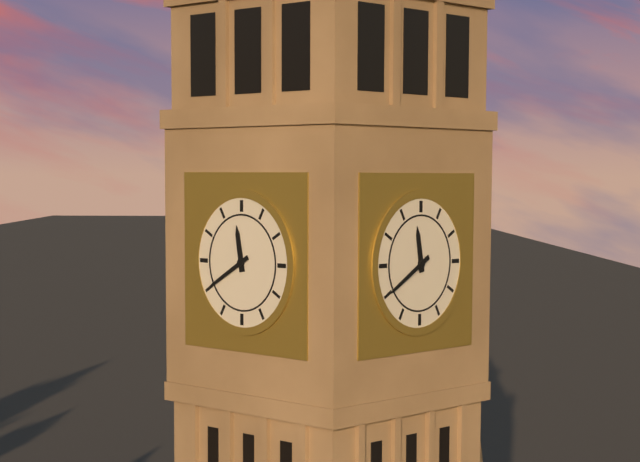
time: 11:40
